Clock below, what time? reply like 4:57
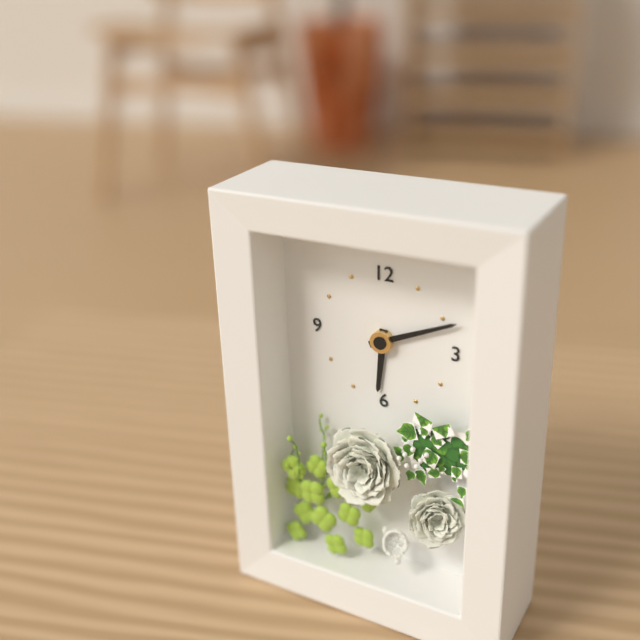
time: 6:11
